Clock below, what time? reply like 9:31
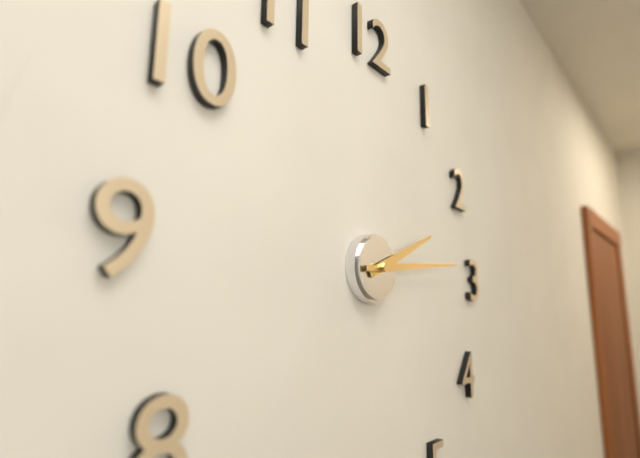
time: 2:14
